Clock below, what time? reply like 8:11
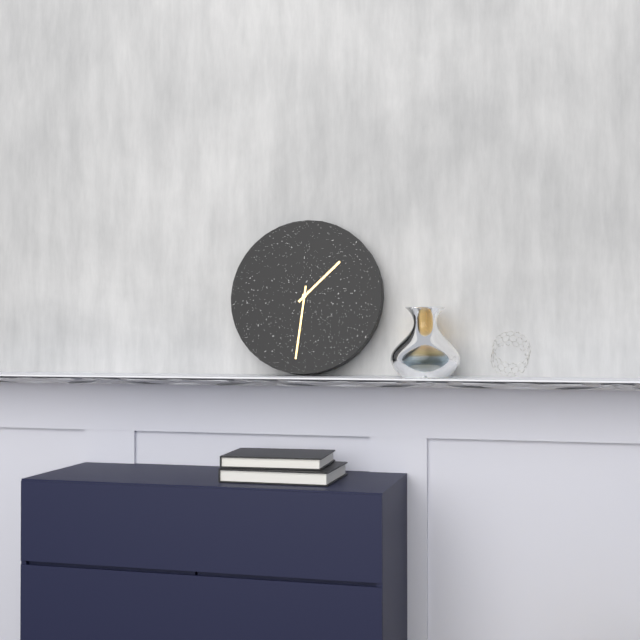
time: 1:31
